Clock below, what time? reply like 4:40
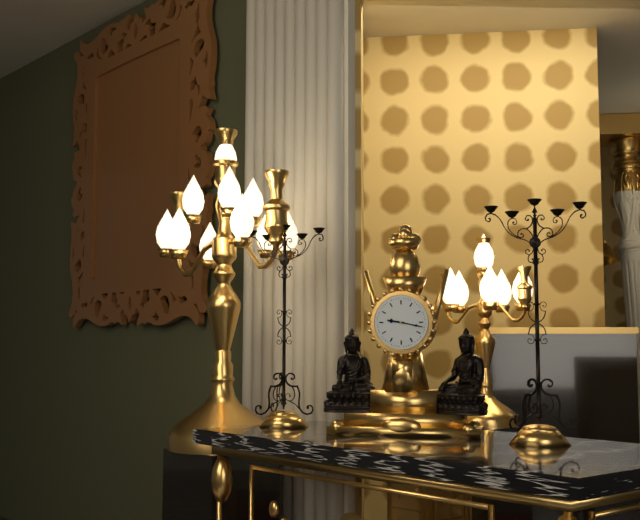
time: 9:17
